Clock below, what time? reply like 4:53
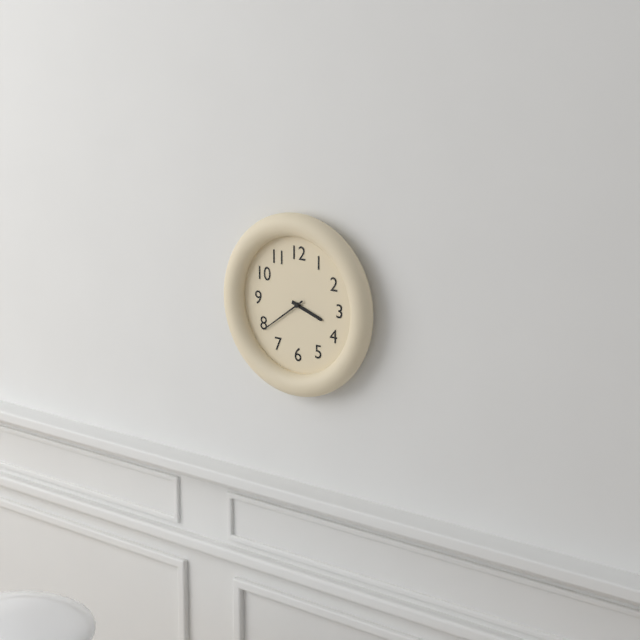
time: 3:39
